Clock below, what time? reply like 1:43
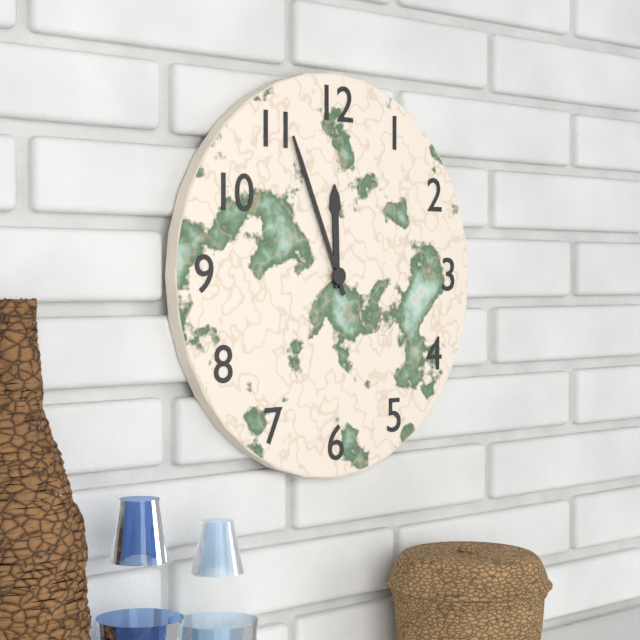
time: 11:56
